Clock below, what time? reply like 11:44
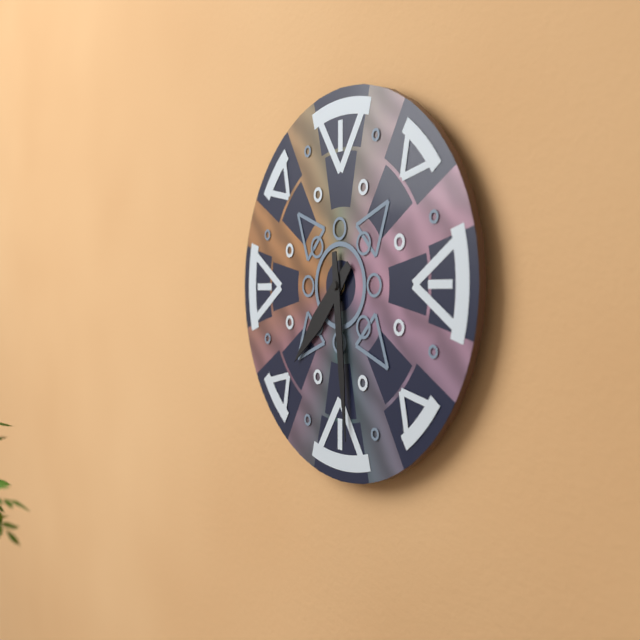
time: 7:29
